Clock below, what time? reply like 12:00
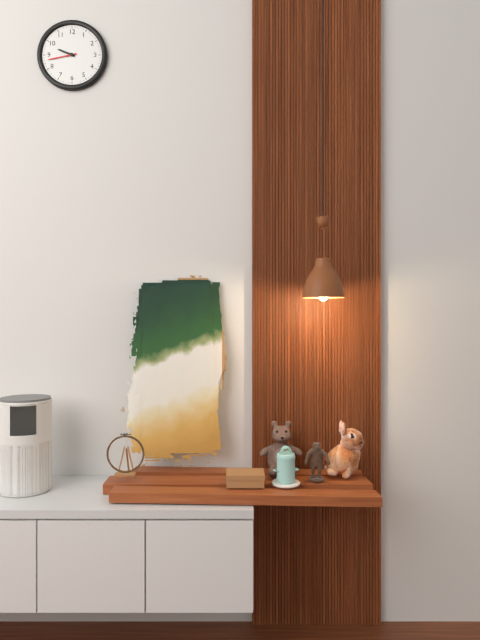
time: 9:43
